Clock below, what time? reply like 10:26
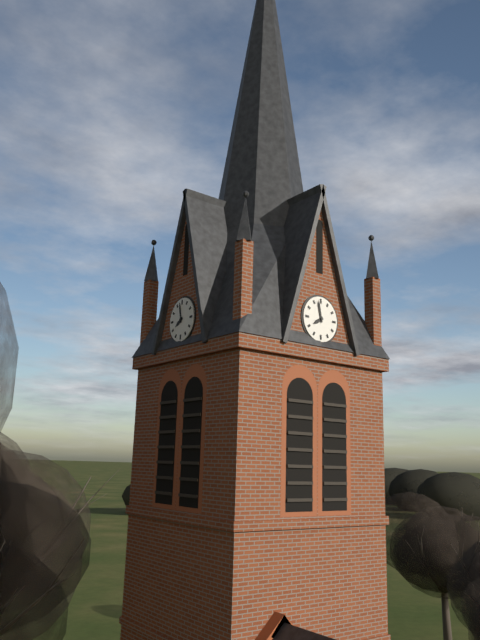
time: 7:58
